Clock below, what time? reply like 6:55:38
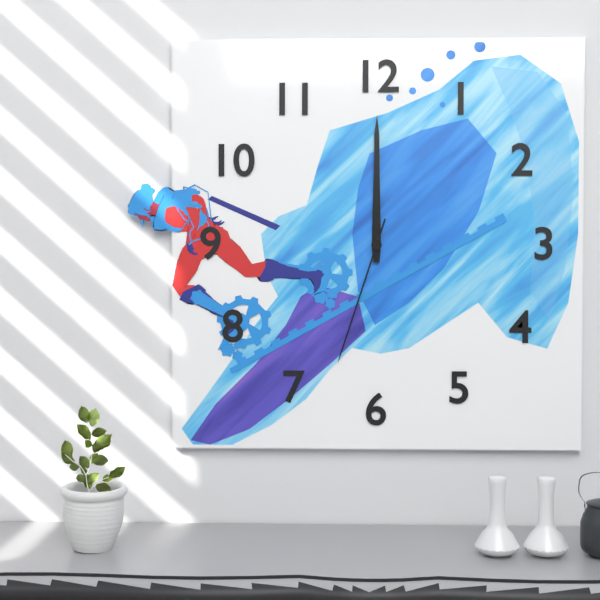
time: 12:00:33
